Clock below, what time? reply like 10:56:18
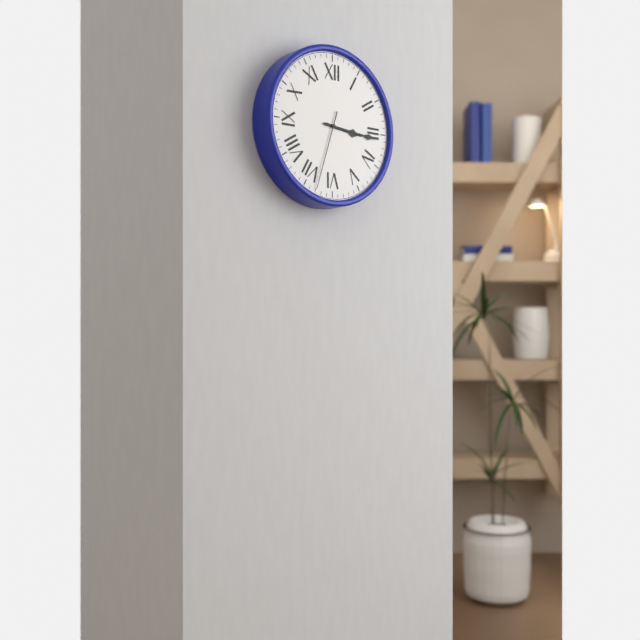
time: 3:16:33
